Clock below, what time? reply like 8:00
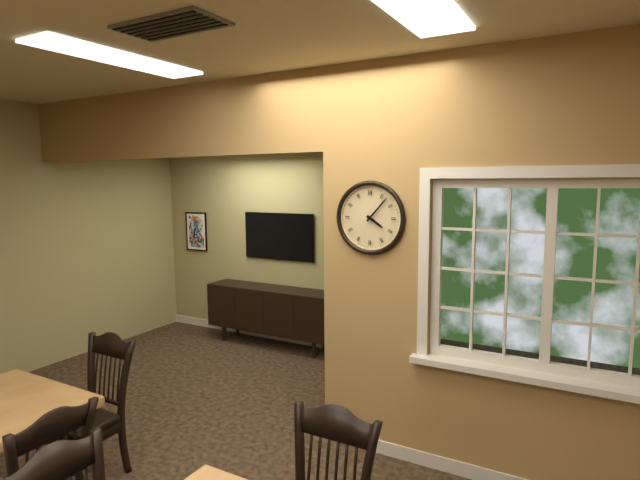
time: 4:07
